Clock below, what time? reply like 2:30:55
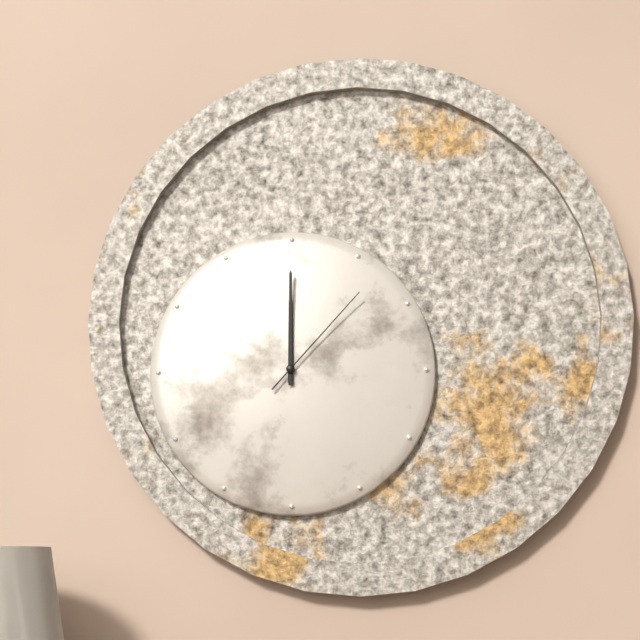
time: 12:00:07
